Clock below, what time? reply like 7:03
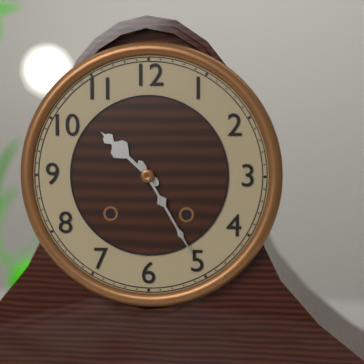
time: 10:25
